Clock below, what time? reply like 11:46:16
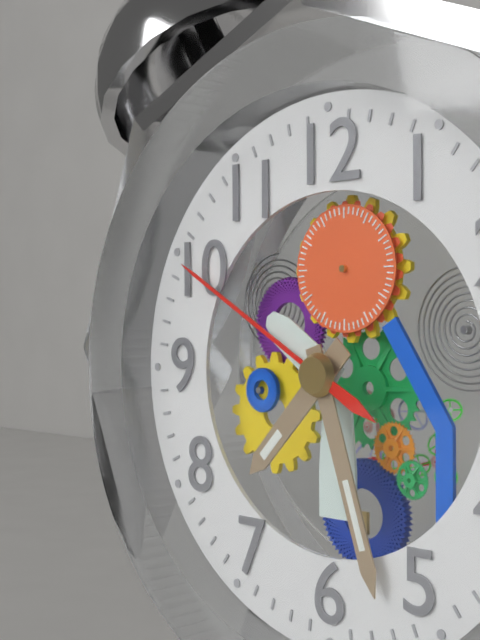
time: 7:27:50
